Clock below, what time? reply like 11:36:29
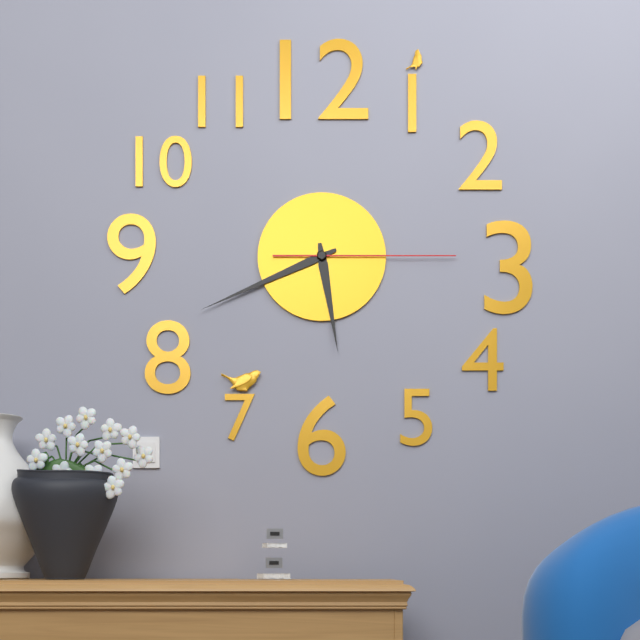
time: 5:41:15
